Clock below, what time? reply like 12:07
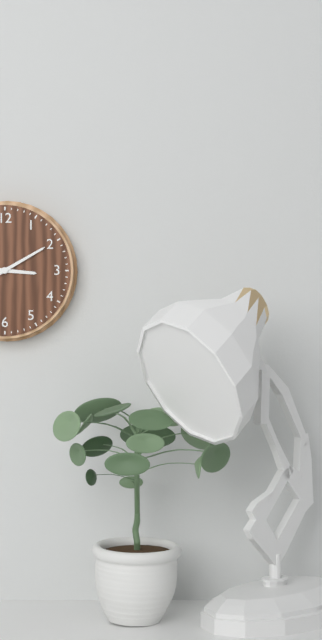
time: 3:10
